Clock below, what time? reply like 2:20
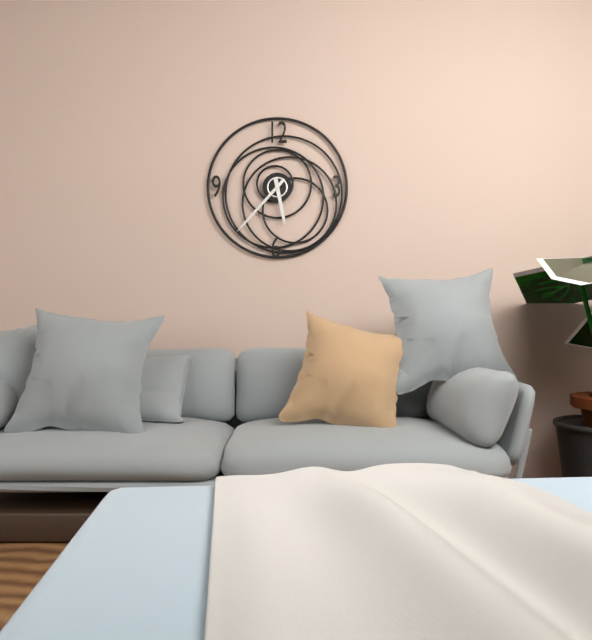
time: 5:37
